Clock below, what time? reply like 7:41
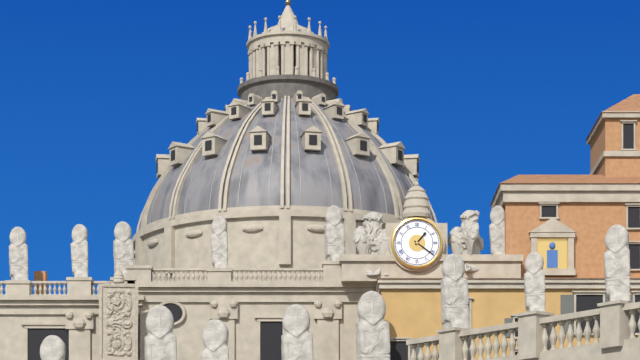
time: 1:21
